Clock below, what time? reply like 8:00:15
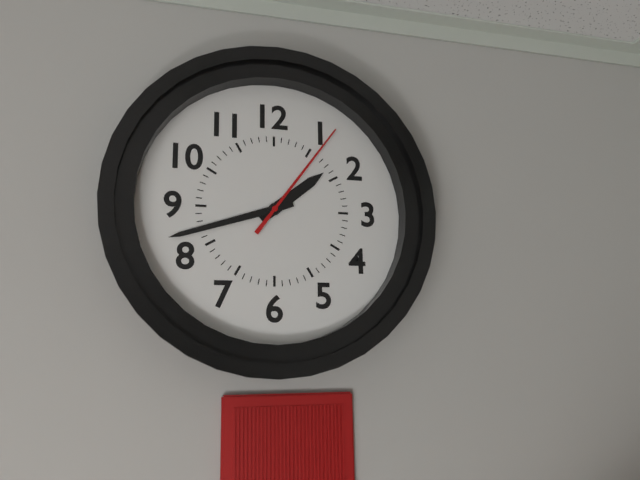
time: 1:42:06
